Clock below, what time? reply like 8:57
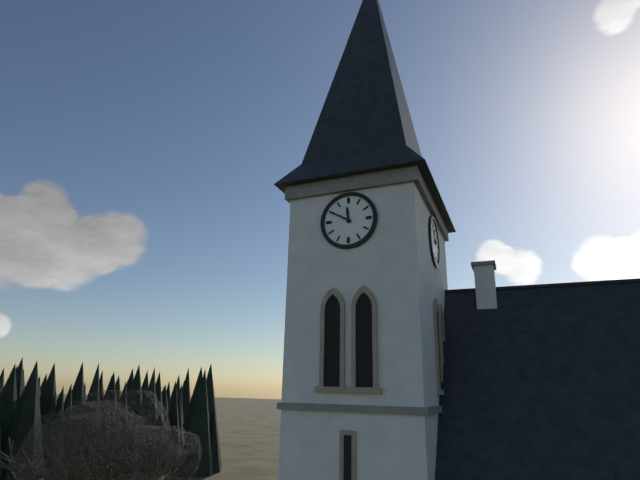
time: 11:50
